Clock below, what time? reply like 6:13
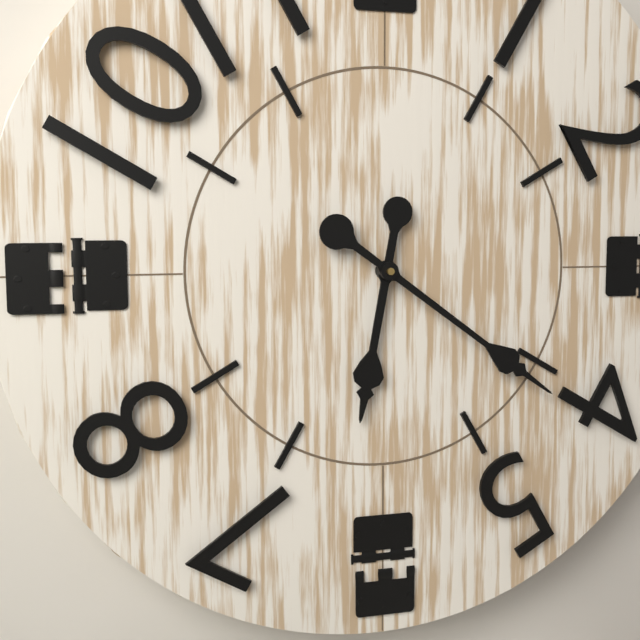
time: 6:21
